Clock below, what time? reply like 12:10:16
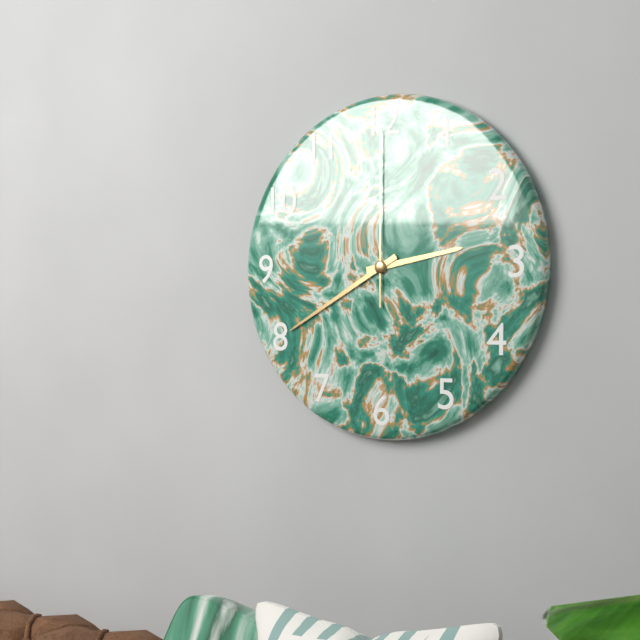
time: 2:40:00
